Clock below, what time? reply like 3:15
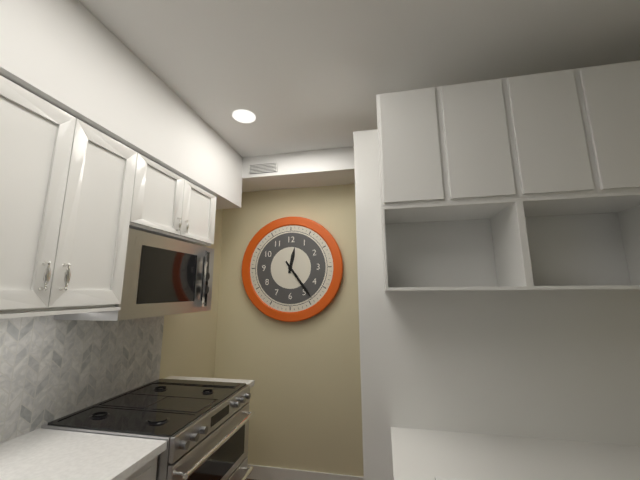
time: 12:24
